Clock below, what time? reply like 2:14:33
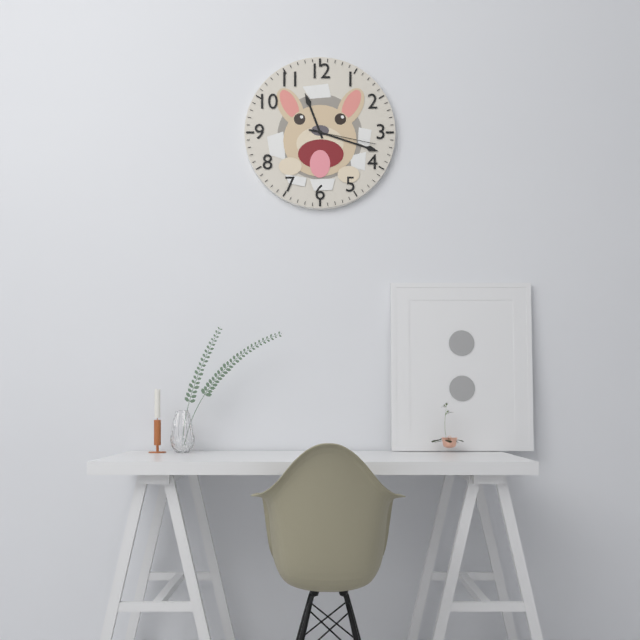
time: 11:18:17
